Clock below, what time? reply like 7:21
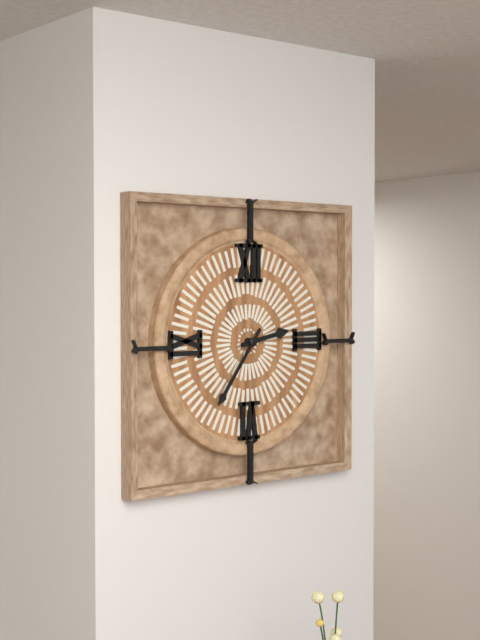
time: 2:36
